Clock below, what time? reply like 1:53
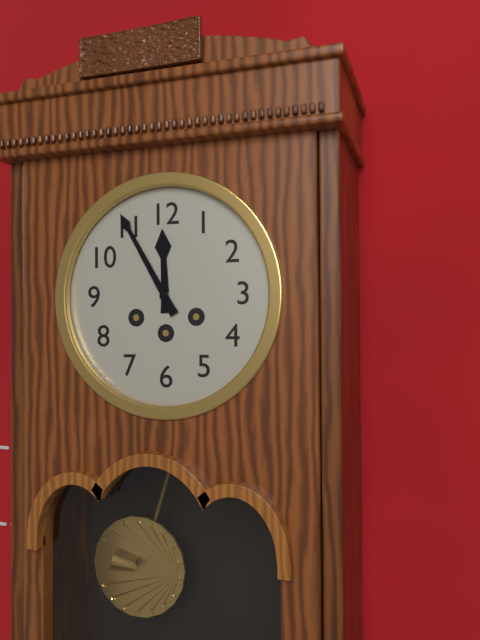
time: 11:55
